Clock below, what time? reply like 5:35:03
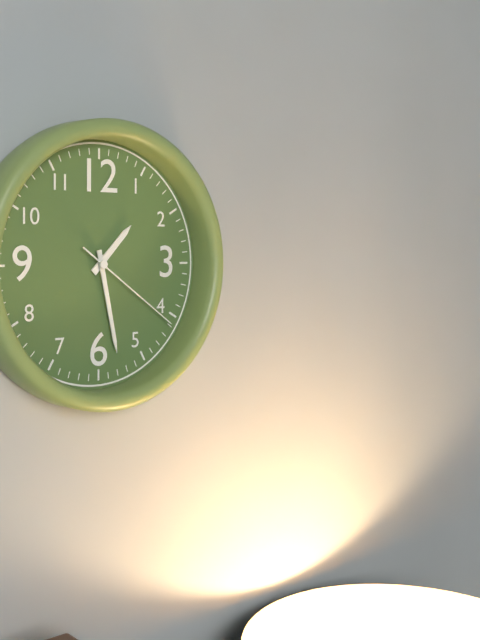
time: 1:28:21
